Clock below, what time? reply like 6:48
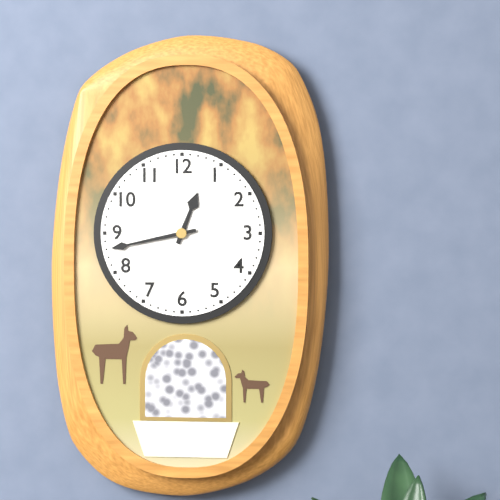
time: 12:43
